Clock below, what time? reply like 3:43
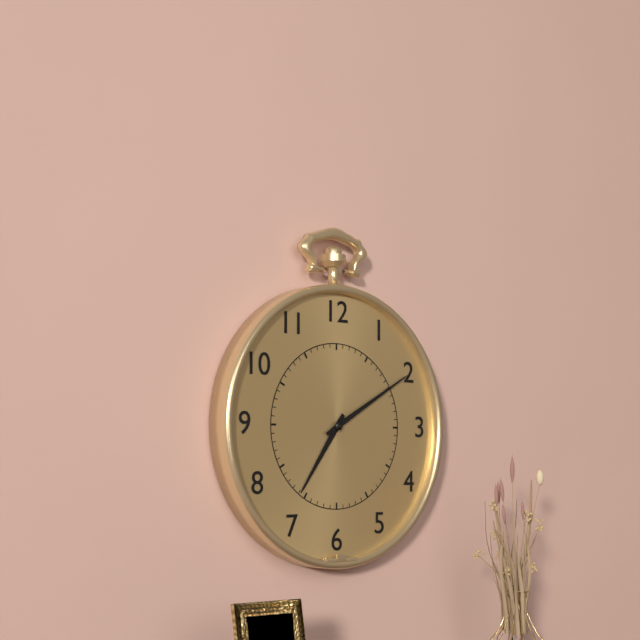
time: 7:10
